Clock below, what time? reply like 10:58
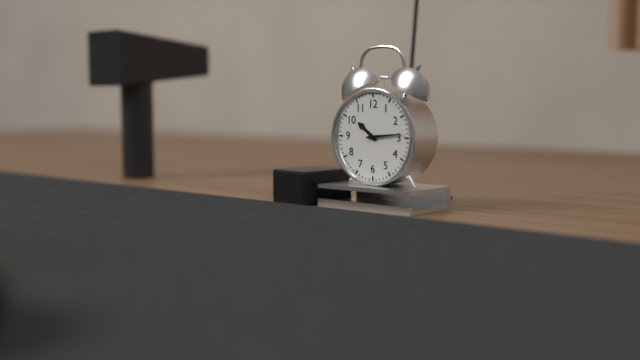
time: 10:14
